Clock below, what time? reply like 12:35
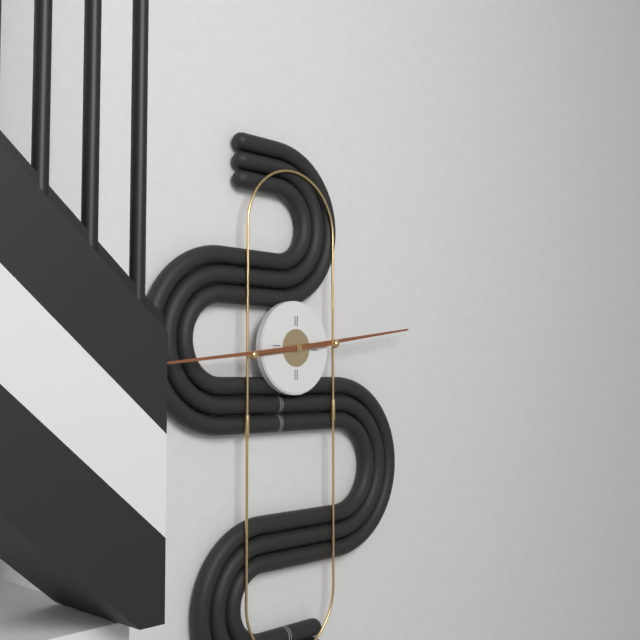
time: 2:44
